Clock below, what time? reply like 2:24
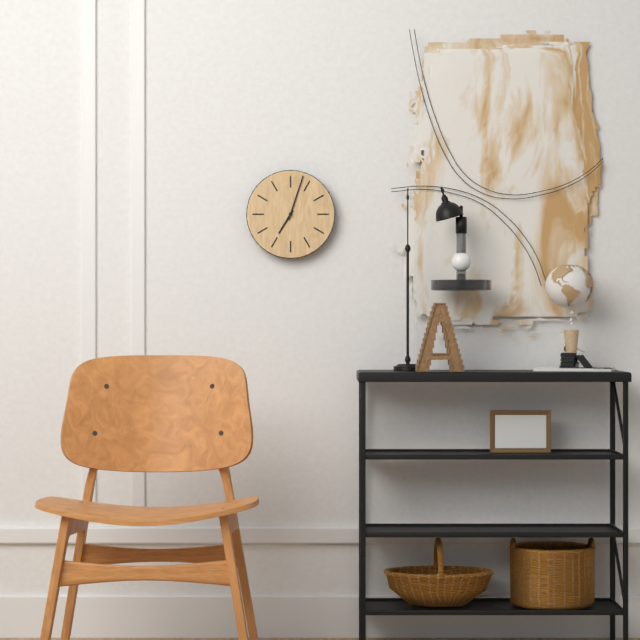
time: 7:03
